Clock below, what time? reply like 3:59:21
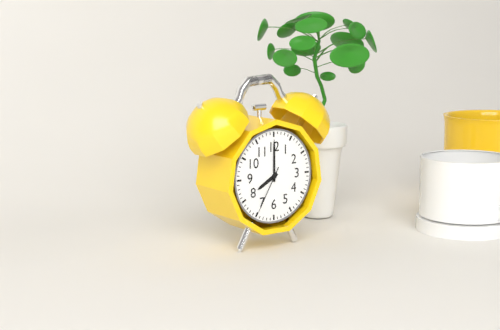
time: 8:00:35
